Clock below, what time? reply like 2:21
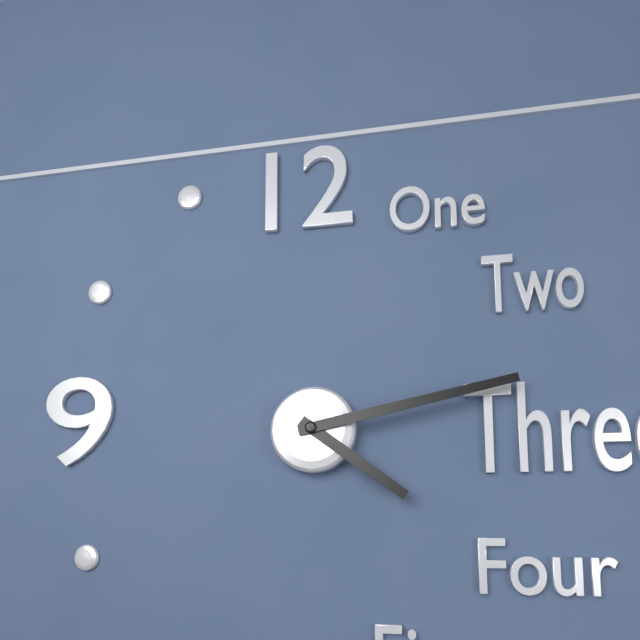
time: 4:13
